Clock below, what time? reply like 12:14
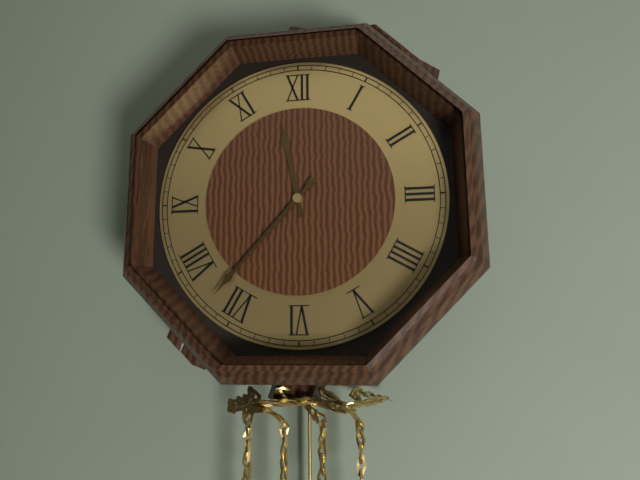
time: 11:37
